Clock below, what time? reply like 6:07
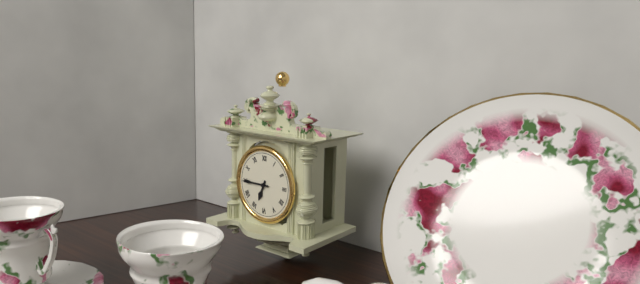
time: 6:45
